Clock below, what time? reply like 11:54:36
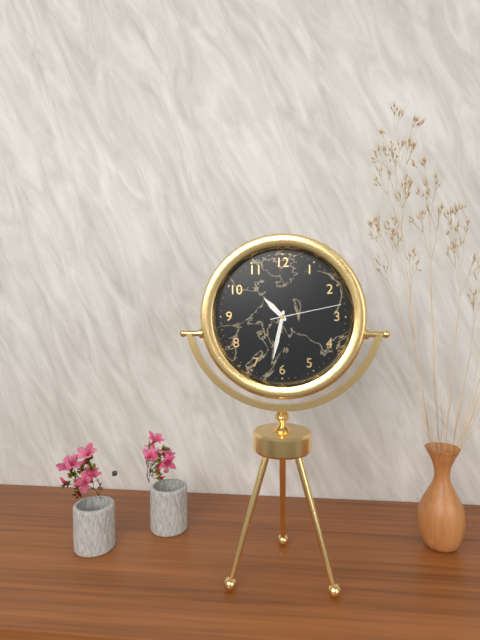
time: 10:32:13
